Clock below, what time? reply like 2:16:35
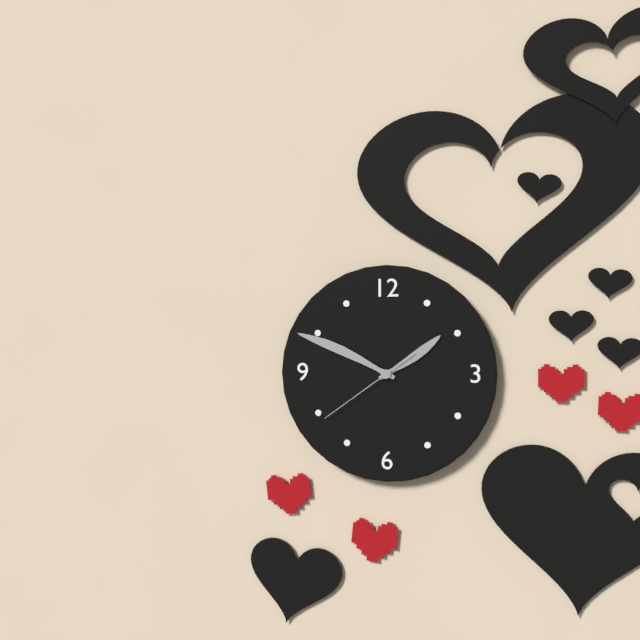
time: 1:49:39
